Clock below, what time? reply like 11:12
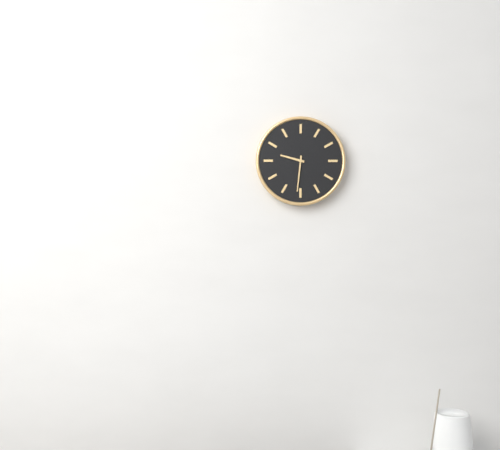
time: 9:31
